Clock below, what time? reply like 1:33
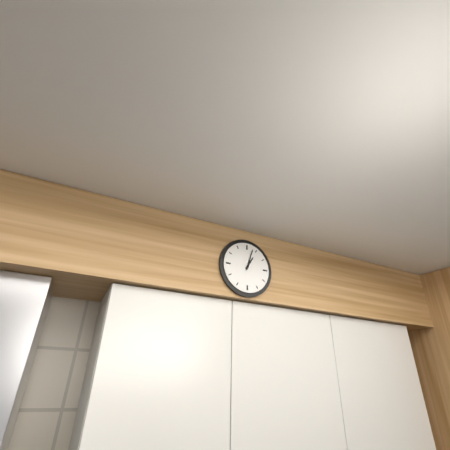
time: 1:03
